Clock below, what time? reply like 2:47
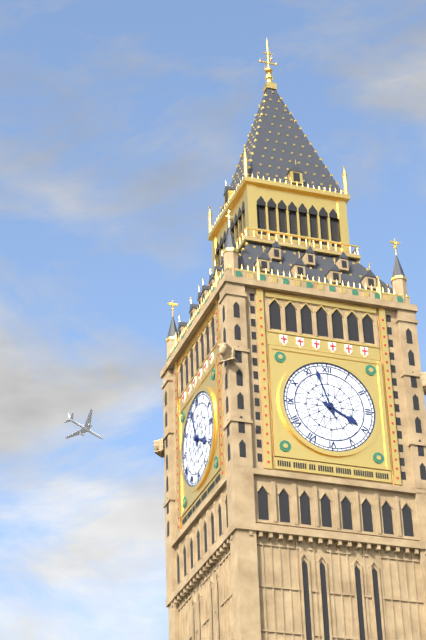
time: 3:57
